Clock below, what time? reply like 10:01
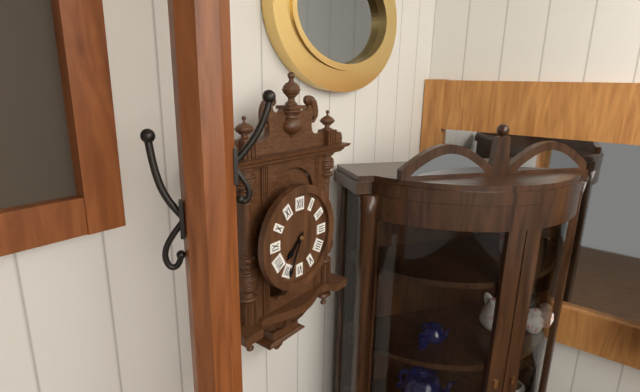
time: 7:34
